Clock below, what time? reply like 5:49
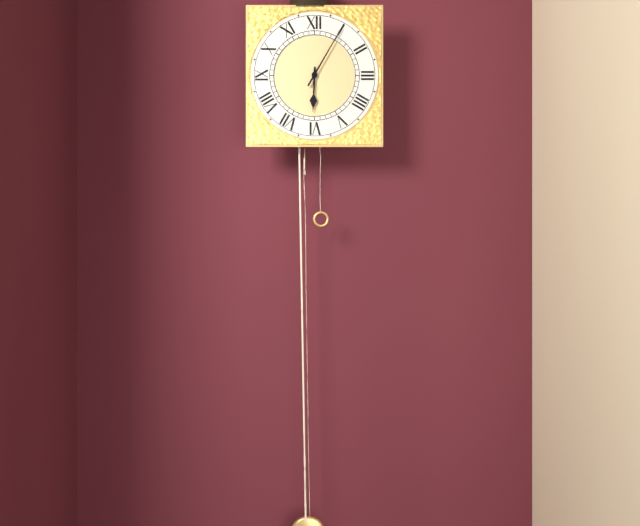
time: 6:05
